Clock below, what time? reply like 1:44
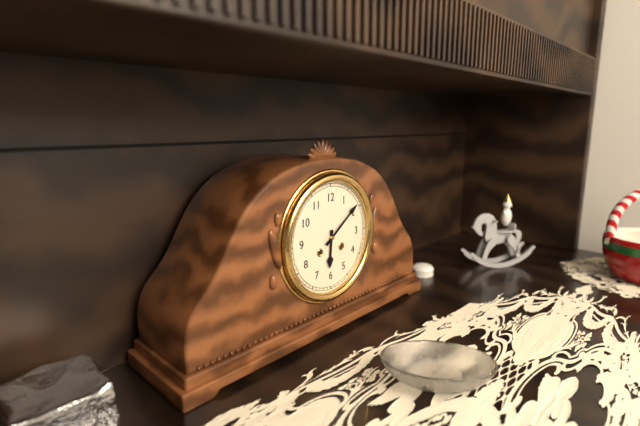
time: 6:09
